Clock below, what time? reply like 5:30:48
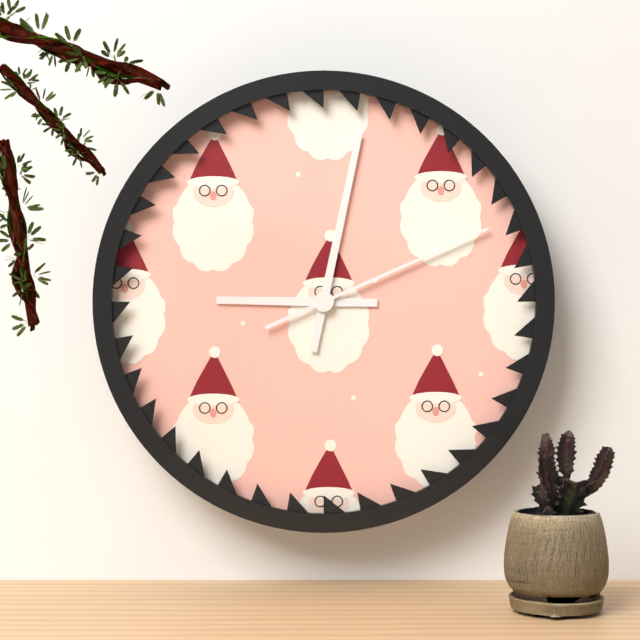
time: 9:02:11
